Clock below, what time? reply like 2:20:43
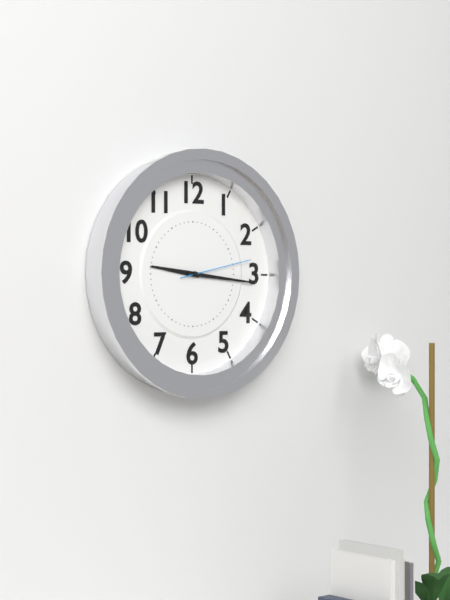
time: 9:16:13
